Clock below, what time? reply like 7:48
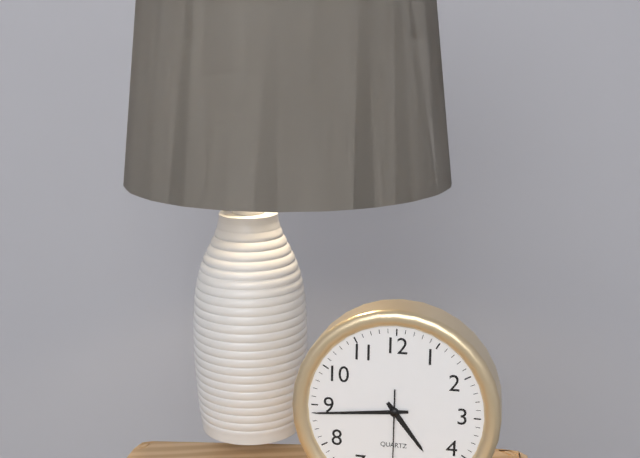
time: 4:44
